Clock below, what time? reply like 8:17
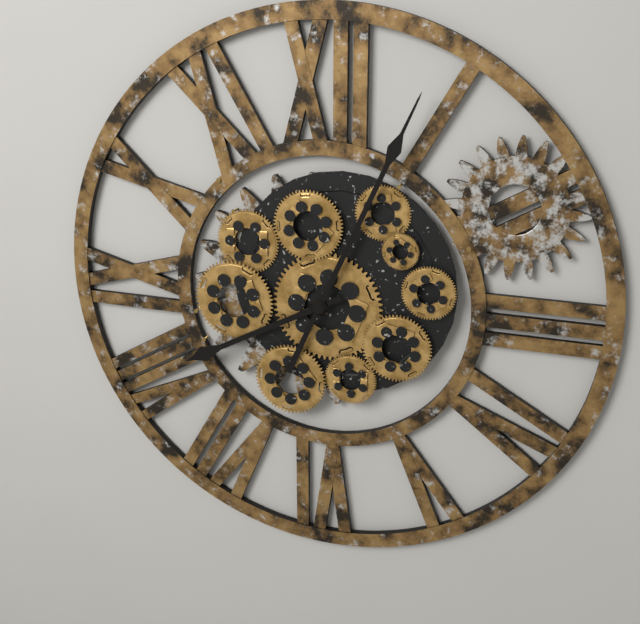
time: 8:04
